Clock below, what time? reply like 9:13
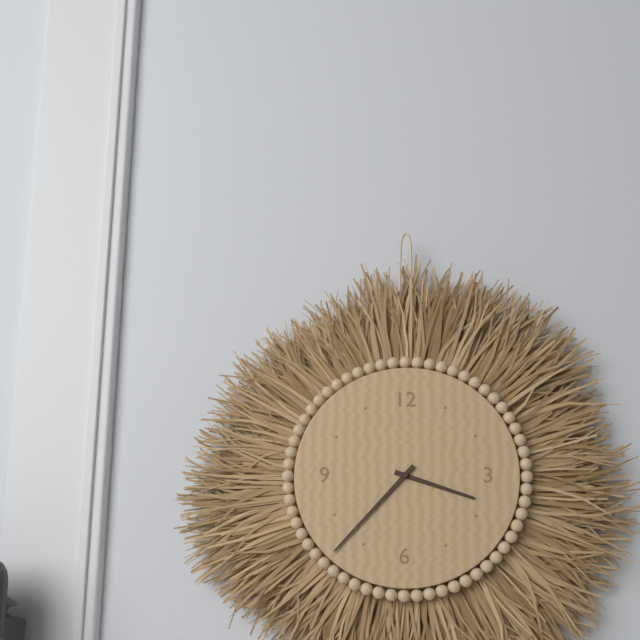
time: 3:37
